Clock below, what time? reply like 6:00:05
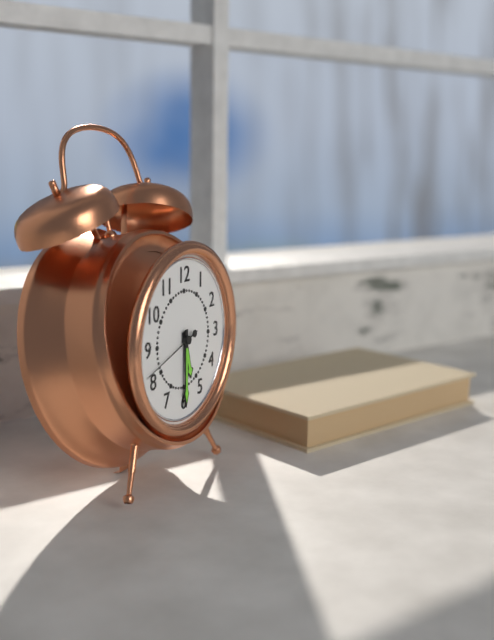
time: 5:30:42
